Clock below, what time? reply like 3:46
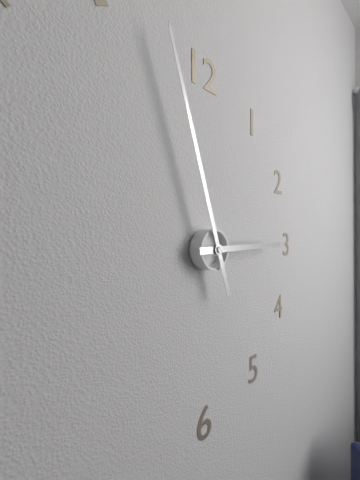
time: 2:57
